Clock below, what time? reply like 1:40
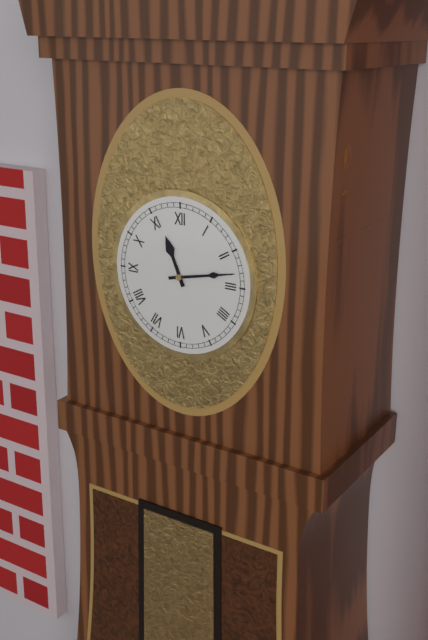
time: 11:13
